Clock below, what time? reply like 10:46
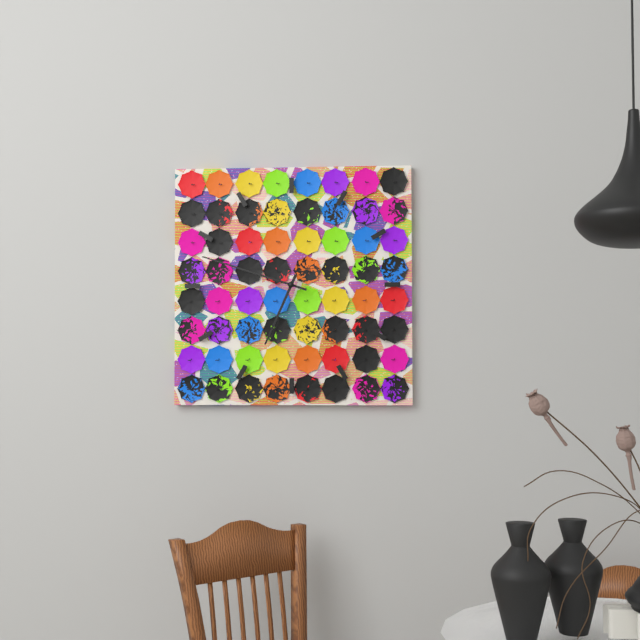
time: 6:48
